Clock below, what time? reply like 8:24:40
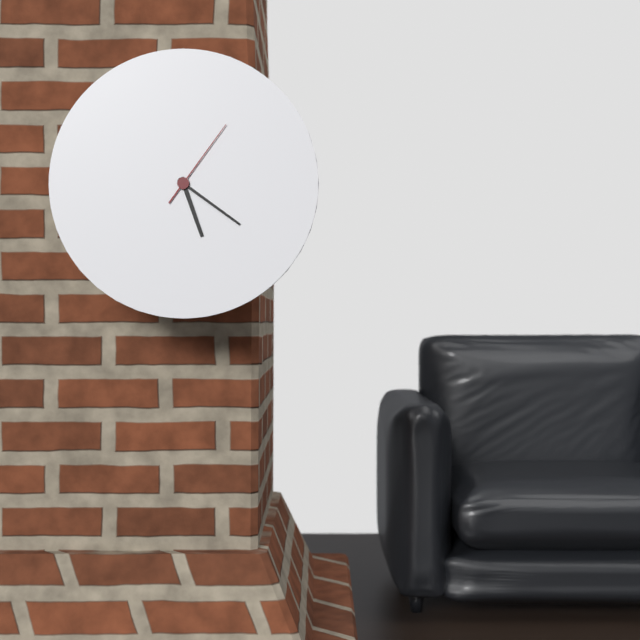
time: 5:21:06
